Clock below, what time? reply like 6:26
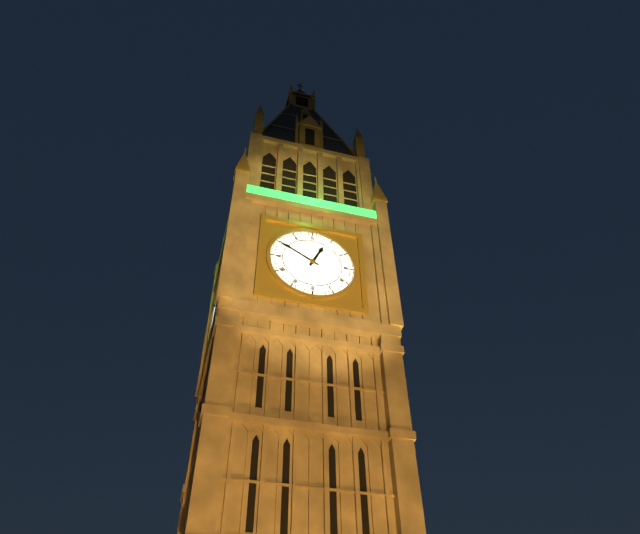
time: 12:50
